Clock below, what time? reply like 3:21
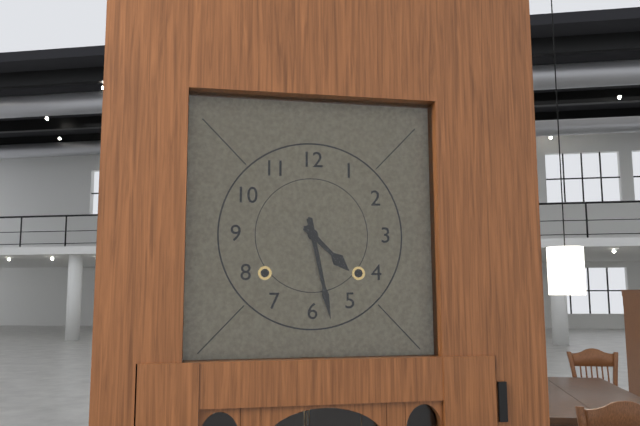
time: 4:28
